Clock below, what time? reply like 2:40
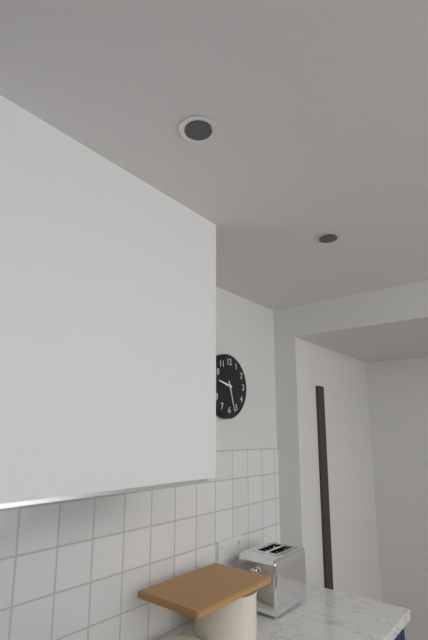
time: 9:27
